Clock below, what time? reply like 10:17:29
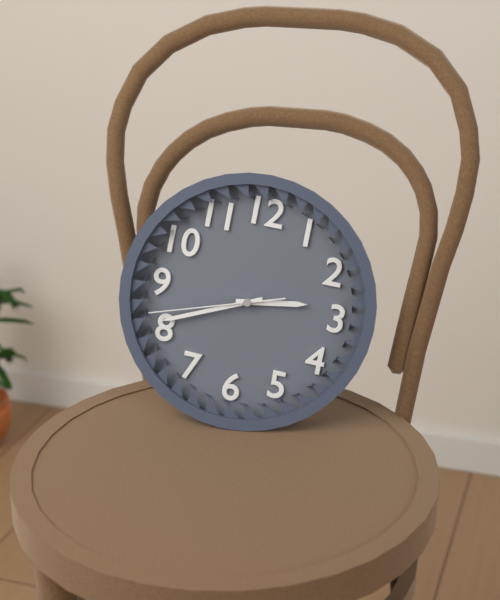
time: 2:41:42
